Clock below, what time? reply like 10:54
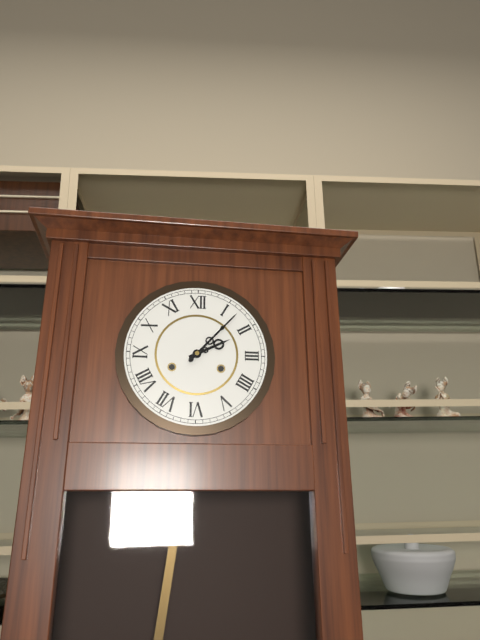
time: 2:07
